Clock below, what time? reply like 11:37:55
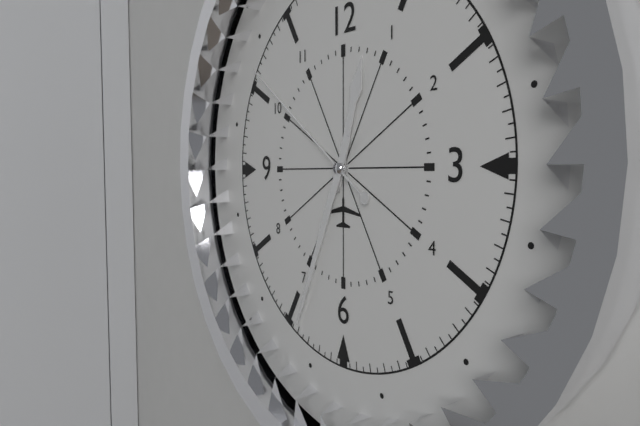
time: 12:34:51
